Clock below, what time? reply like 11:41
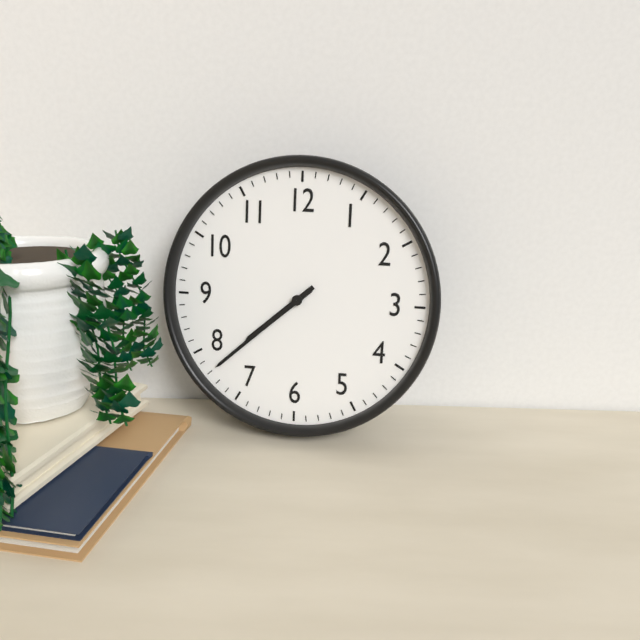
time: 7:38
